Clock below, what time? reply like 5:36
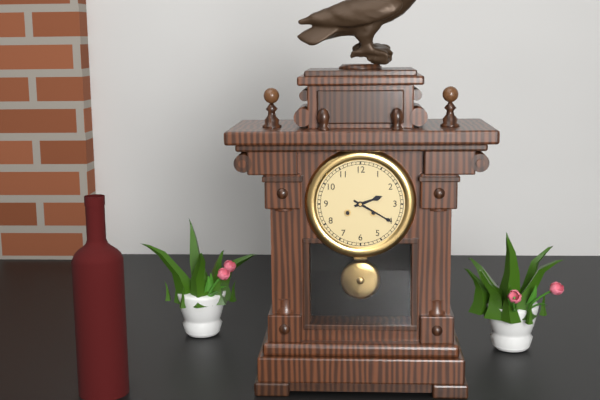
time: 2:20
